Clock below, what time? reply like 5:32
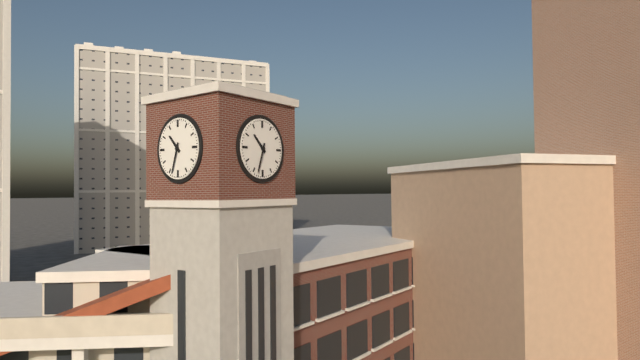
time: 10:33
